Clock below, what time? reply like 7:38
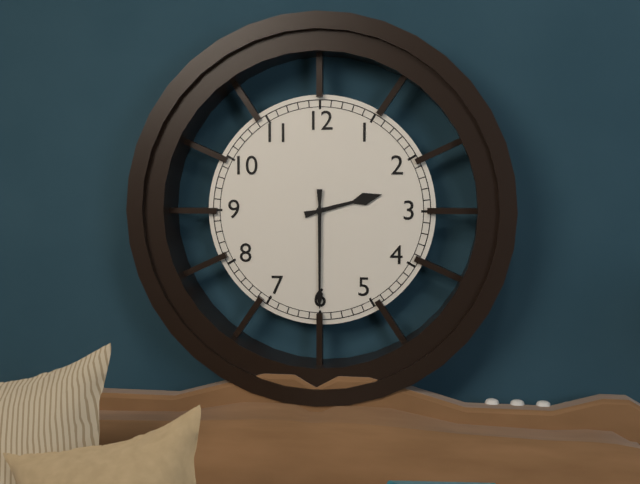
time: 2:30
